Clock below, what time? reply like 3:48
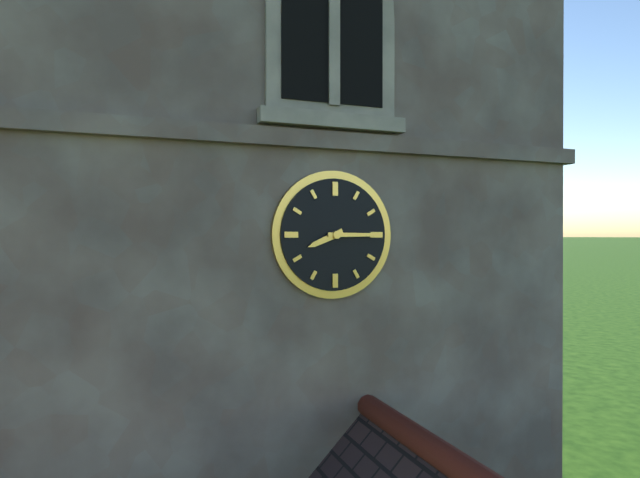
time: 8:15
